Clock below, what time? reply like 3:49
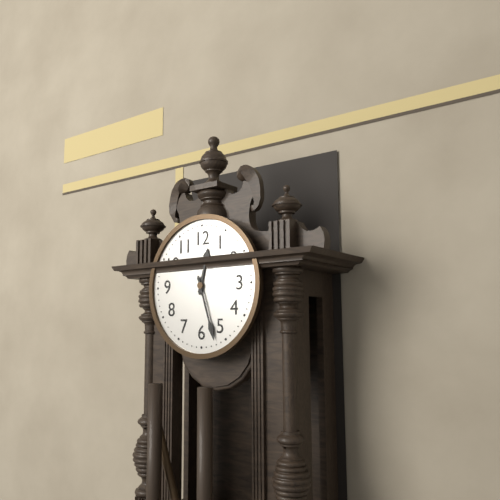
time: 12:27
